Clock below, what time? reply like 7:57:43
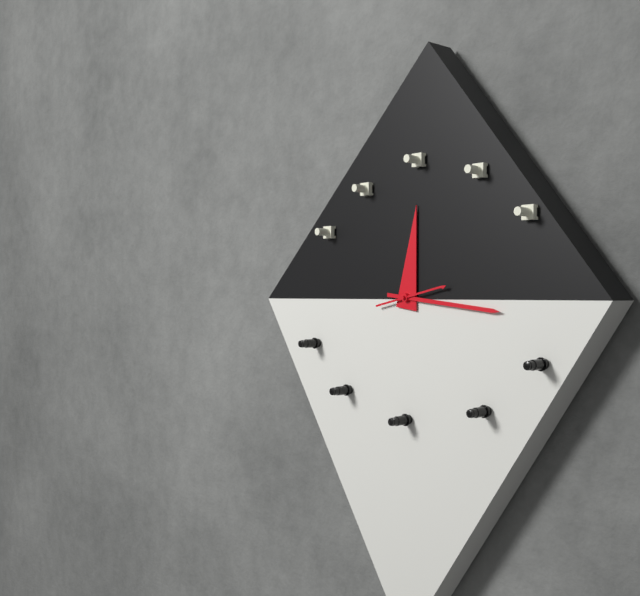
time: 12:16:13
